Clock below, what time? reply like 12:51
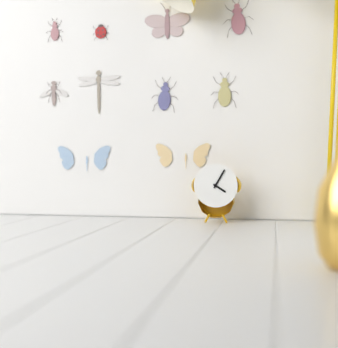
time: 4:05
